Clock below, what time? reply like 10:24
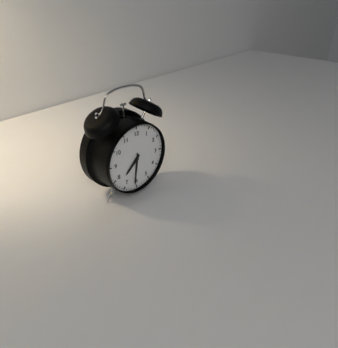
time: 7:31
